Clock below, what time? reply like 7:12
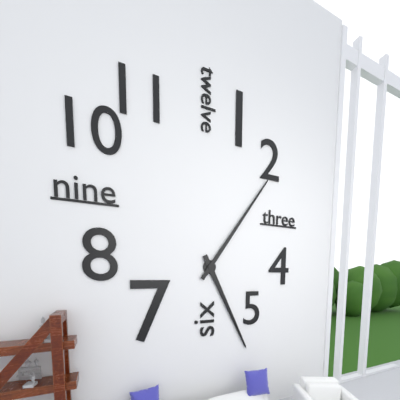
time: 5:06
